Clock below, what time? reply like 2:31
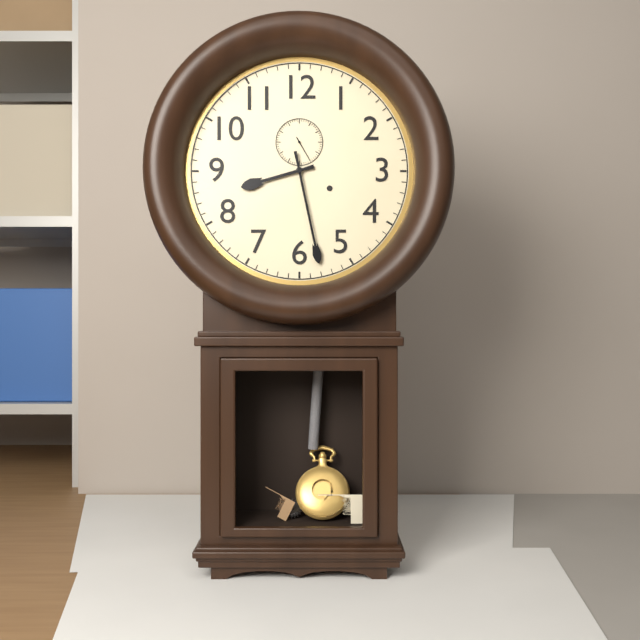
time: 8:28
